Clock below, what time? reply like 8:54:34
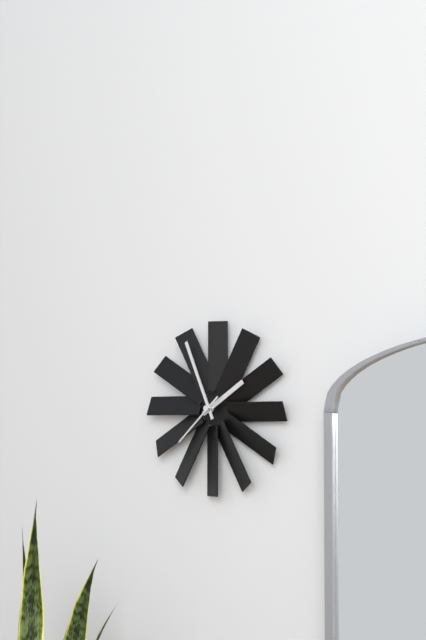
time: 1:56:38
